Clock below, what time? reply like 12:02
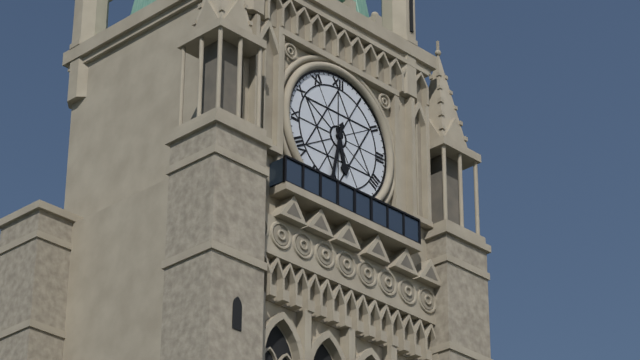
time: 5:32
